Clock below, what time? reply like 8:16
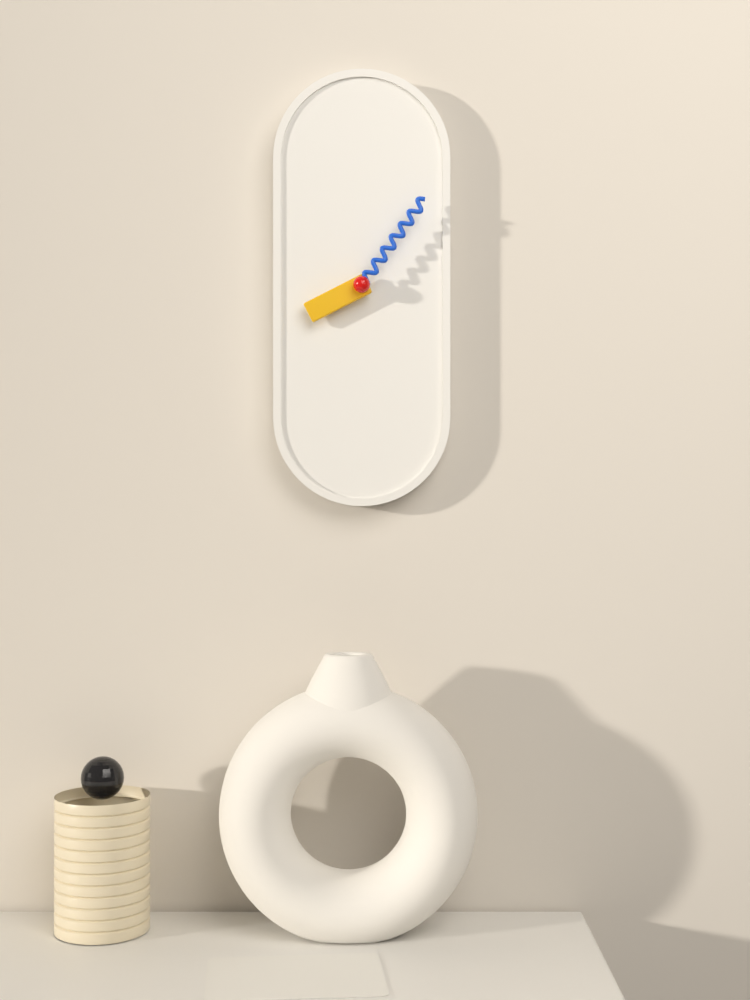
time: 8:06
